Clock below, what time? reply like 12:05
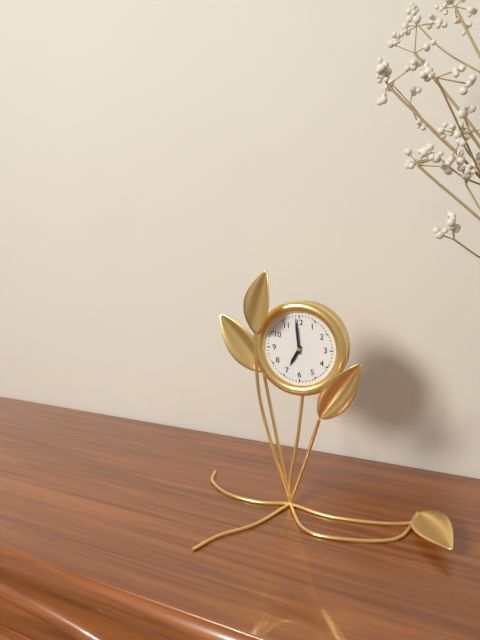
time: 6:59
